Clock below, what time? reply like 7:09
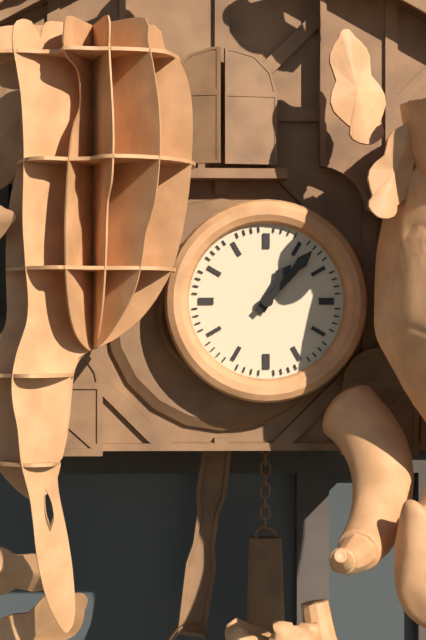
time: 1:07
